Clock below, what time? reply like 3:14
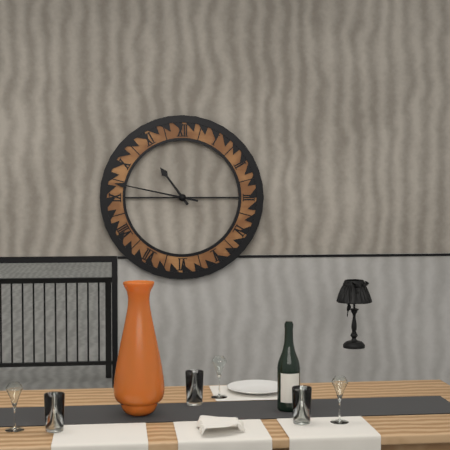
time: 10:47
